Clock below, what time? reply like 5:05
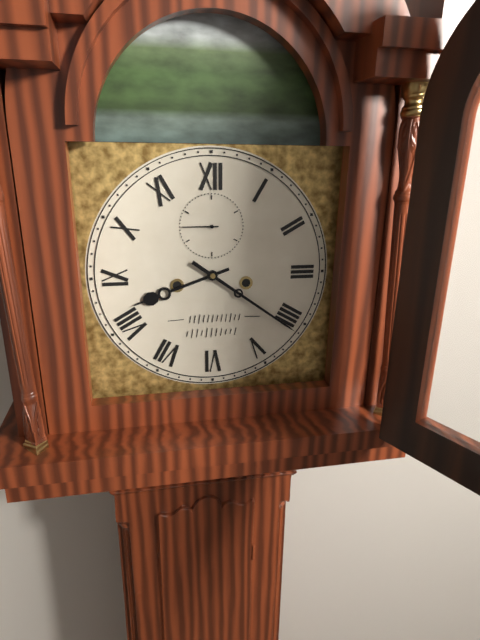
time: 8:21
